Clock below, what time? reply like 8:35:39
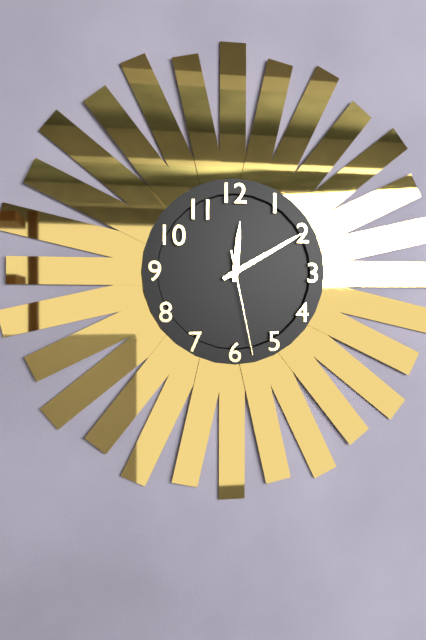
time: 12:10:28
